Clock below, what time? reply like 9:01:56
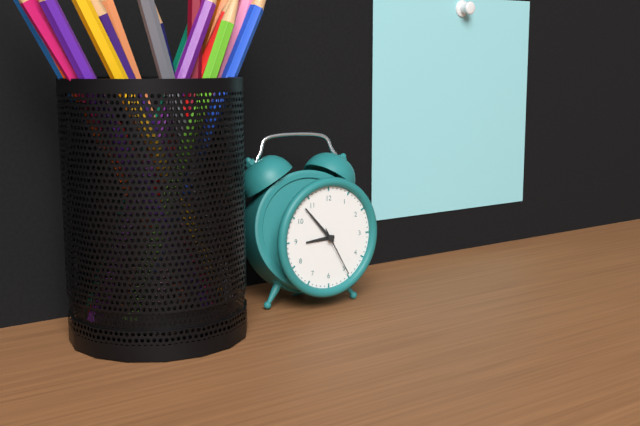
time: 8:53:25
